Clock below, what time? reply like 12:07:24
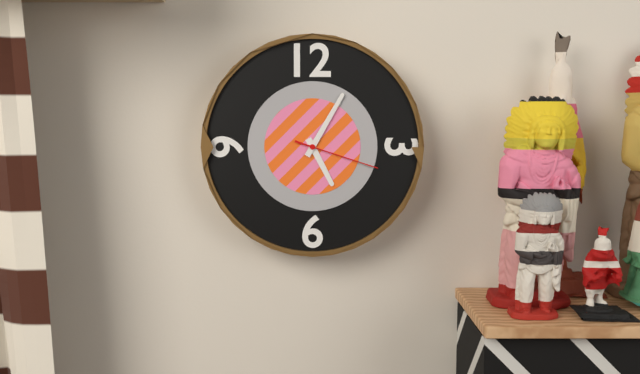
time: 5:05:18
